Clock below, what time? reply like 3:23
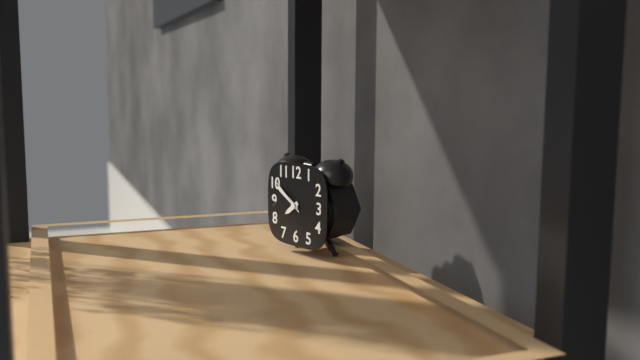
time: 7:50
